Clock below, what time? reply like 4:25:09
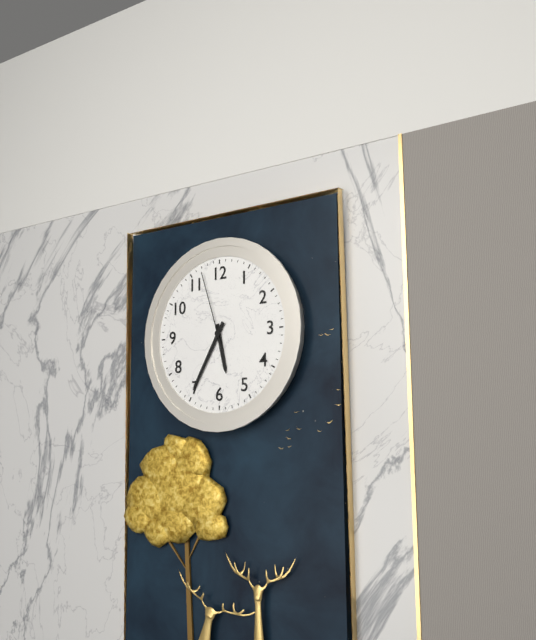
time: 5:35:57
